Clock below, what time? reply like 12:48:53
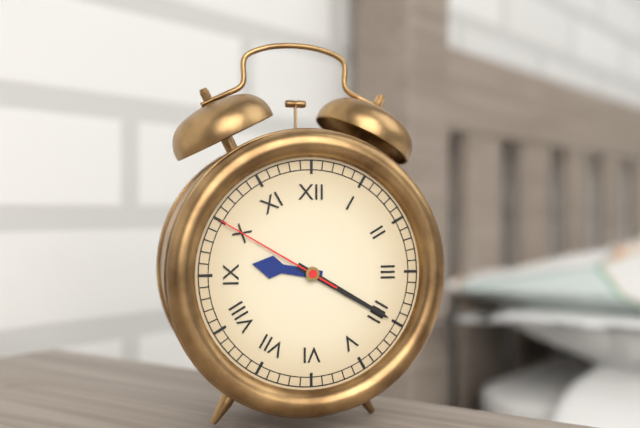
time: 9:20:50
